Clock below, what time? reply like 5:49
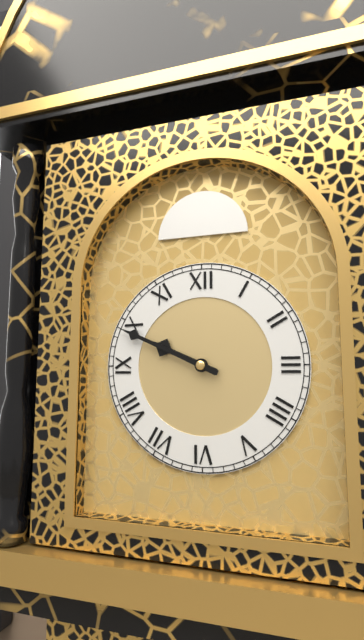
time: 9:49
